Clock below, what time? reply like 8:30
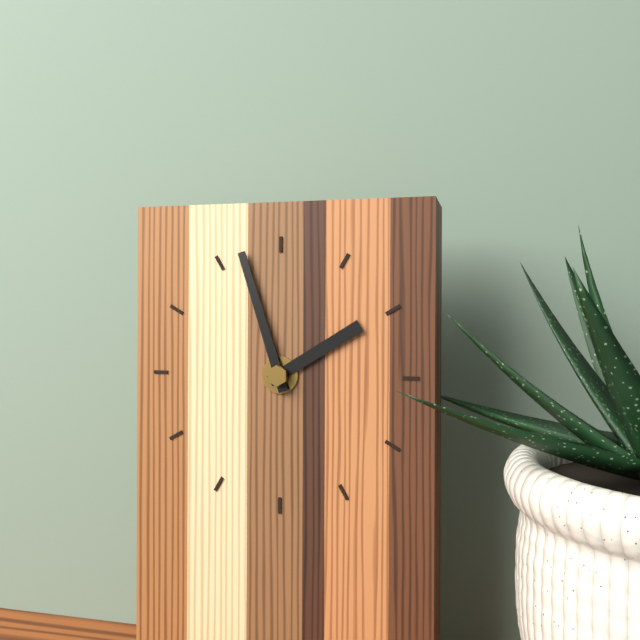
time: 1:57
